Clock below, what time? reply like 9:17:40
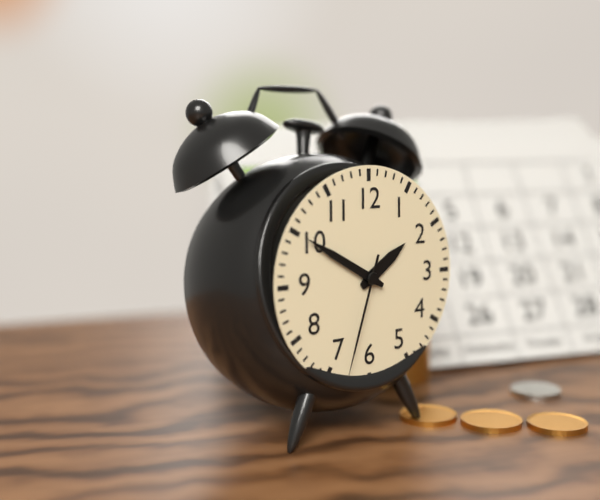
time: 1:50:33
